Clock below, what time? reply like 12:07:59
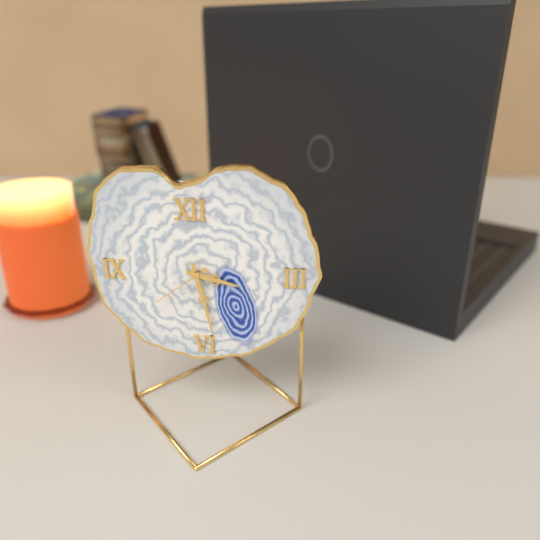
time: 3:28:39
